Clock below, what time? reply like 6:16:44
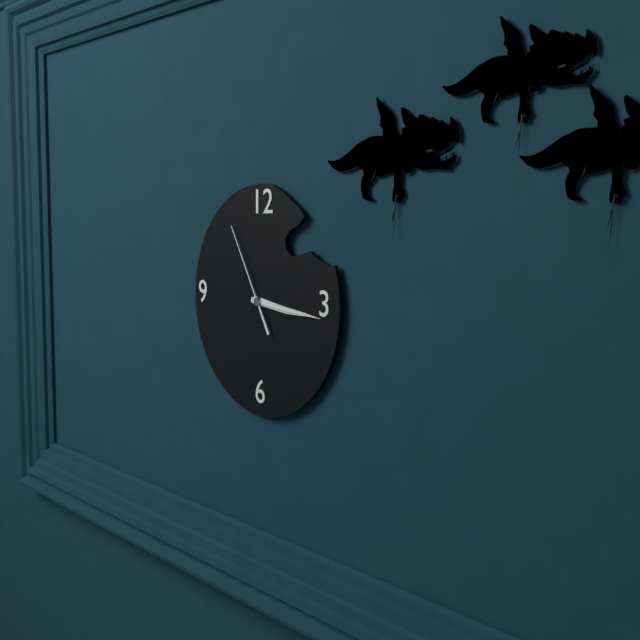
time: 3:16:55
